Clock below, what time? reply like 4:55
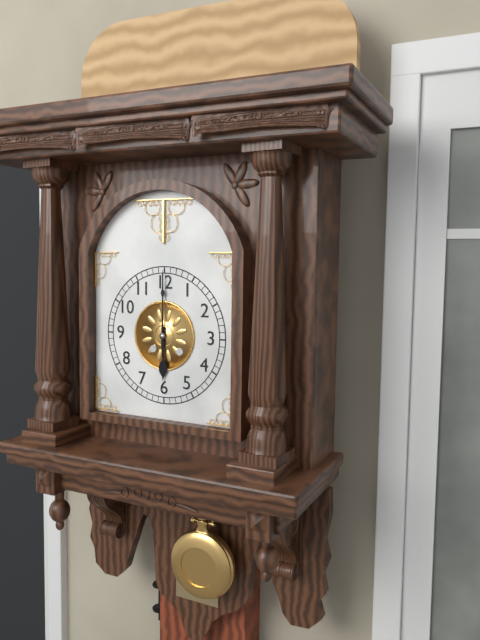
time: 6:00
